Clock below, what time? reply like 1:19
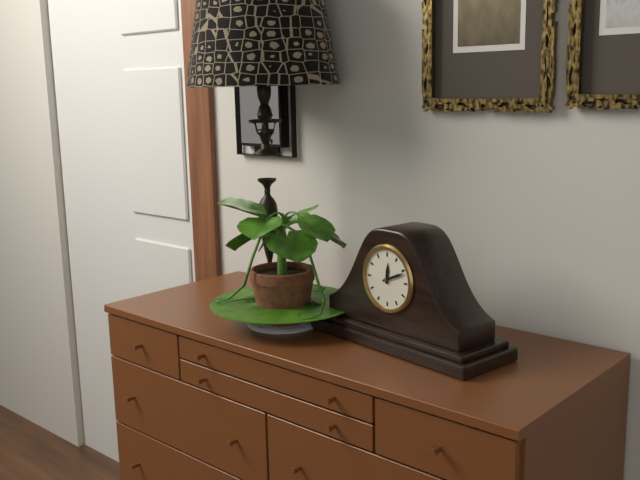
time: 12:11
